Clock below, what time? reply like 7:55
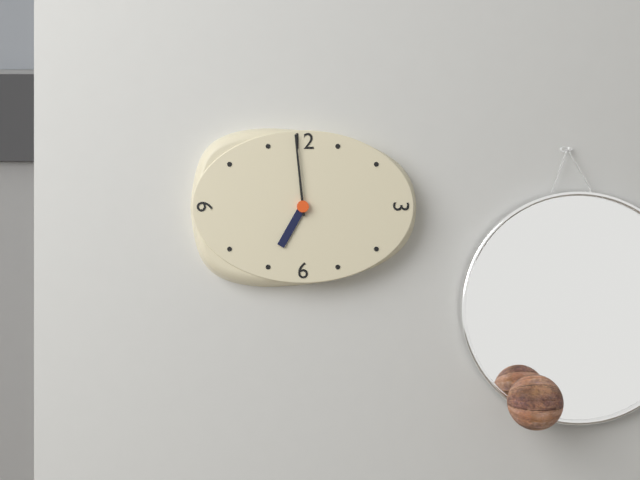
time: 6:59
